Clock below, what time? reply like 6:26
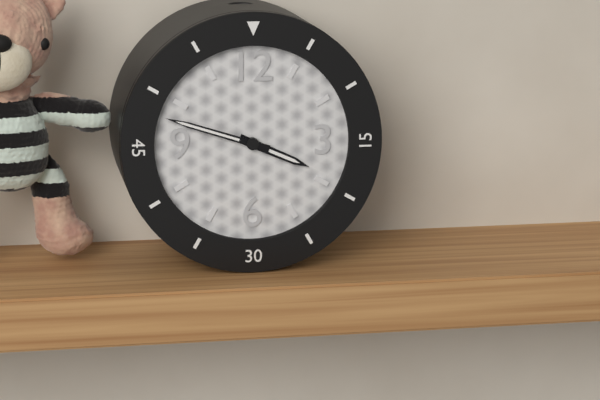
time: 3:48
